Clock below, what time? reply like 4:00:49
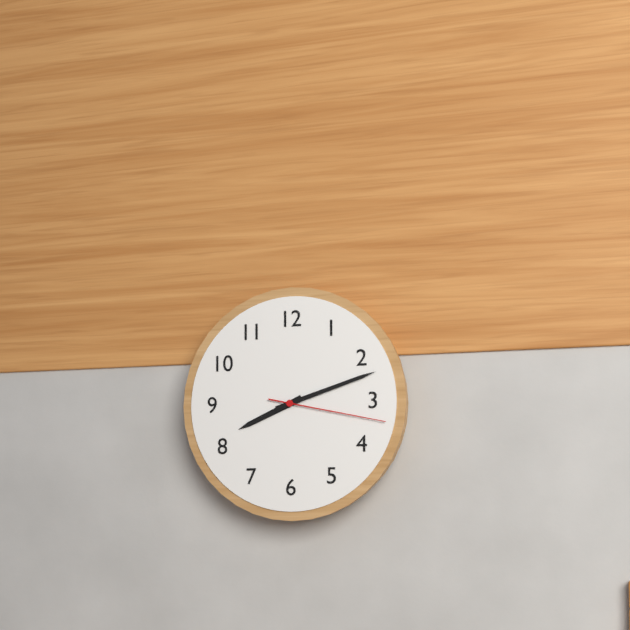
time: 8:12:17
